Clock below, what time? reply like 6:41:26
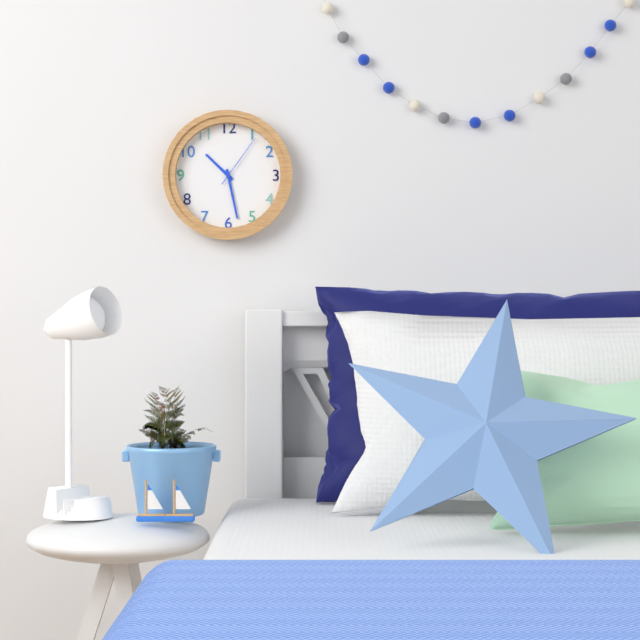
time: 10:28:06
